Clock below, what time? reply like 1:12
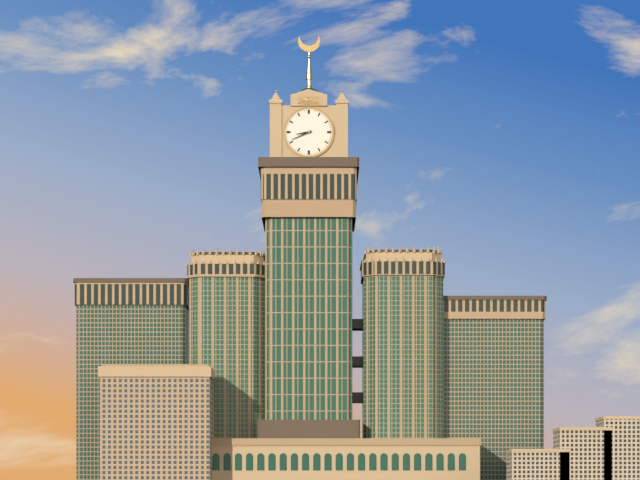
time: 8:41
